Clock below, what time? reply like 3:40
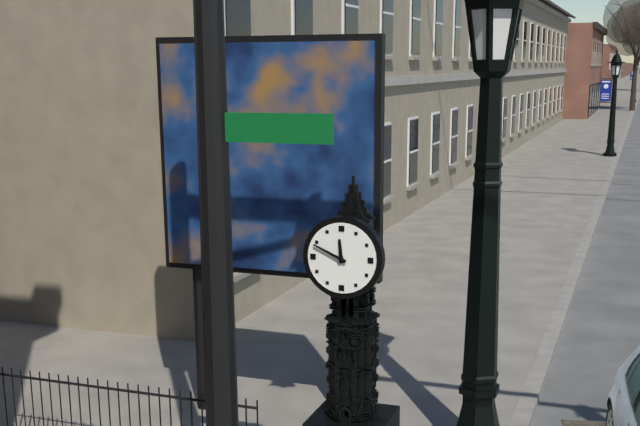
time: 11:49
